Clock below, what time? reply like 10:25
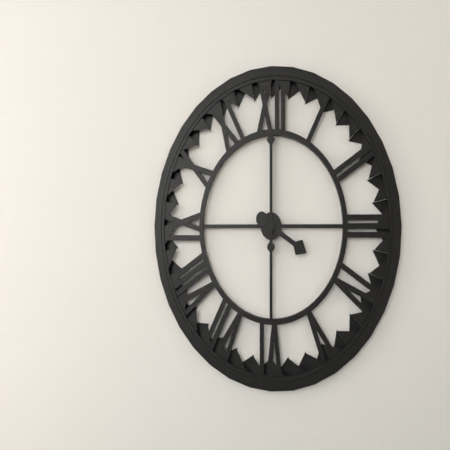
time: 4:00
